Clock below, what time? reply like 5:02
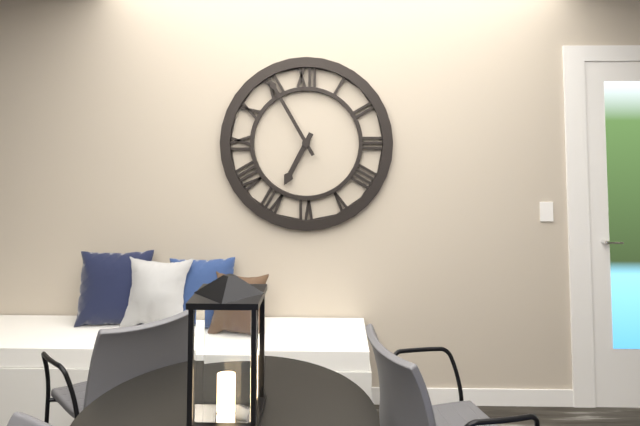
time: 6:55
